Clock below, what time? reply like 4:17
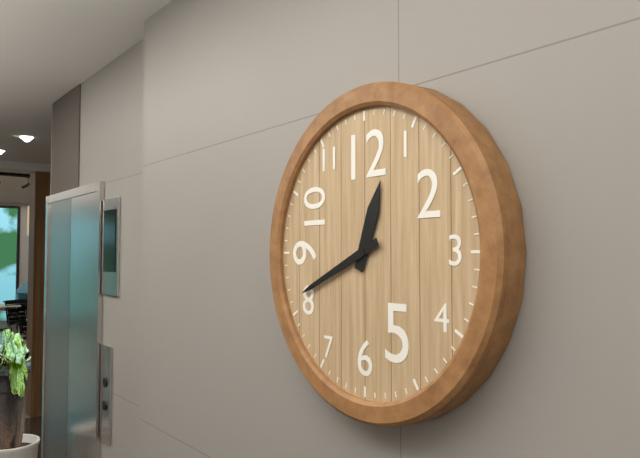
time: 12:41
